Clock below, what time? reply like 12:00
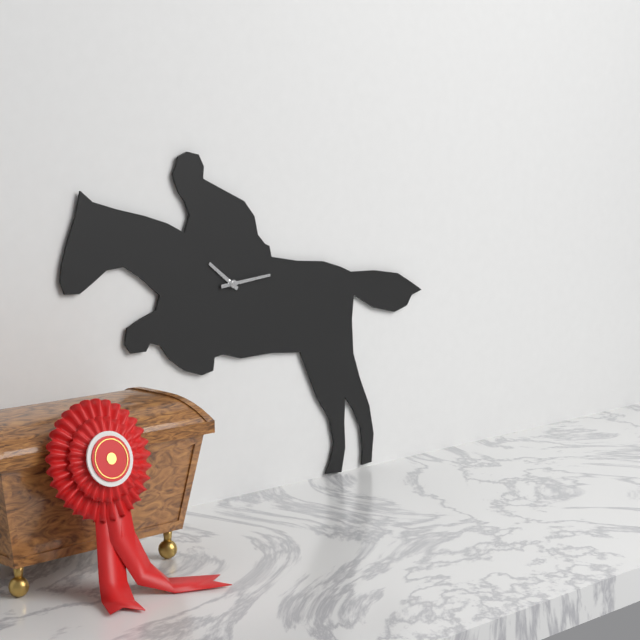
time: 10:14
